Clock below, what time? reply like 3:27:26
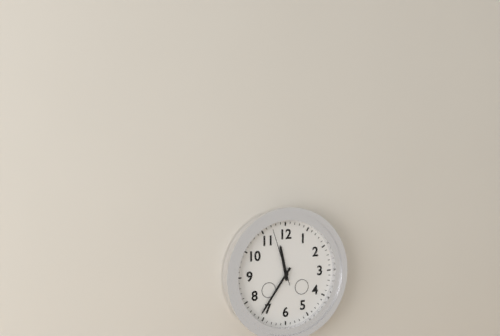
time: 11:36:57
